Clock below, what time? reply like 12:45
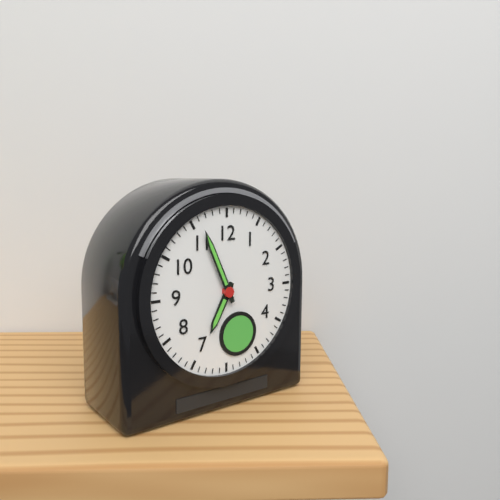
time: 6:56
